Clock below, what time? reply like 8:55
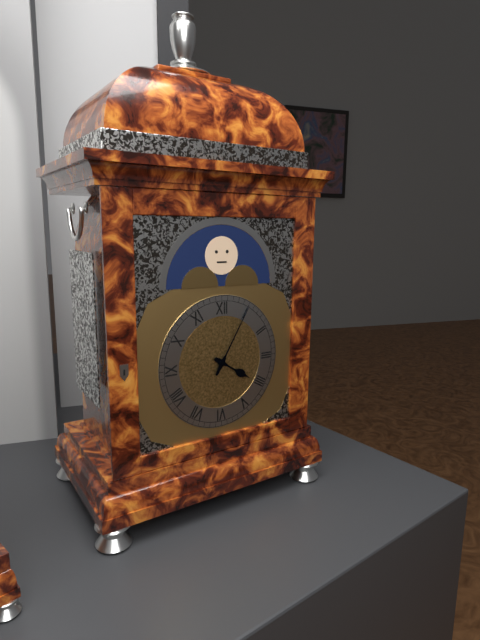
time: 4:05
